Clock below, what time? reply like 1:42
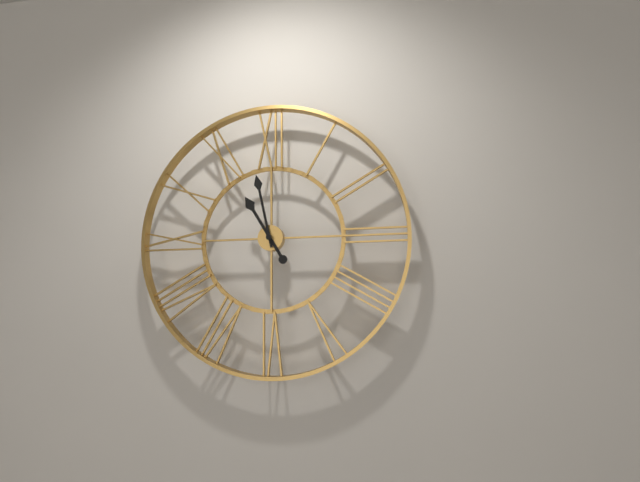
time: 10:58
